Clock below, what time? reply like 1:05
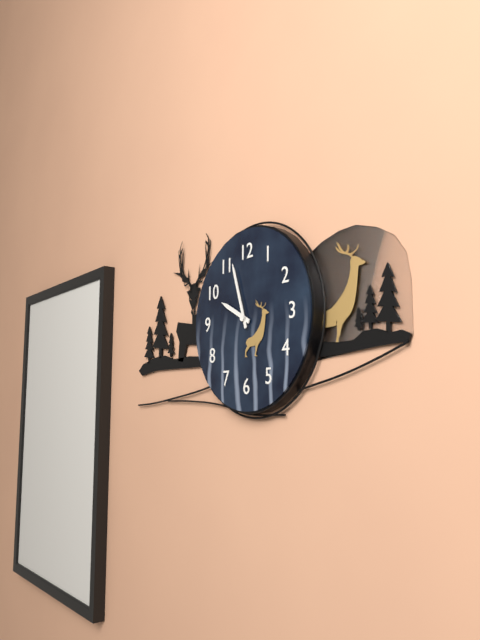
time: 9:57
